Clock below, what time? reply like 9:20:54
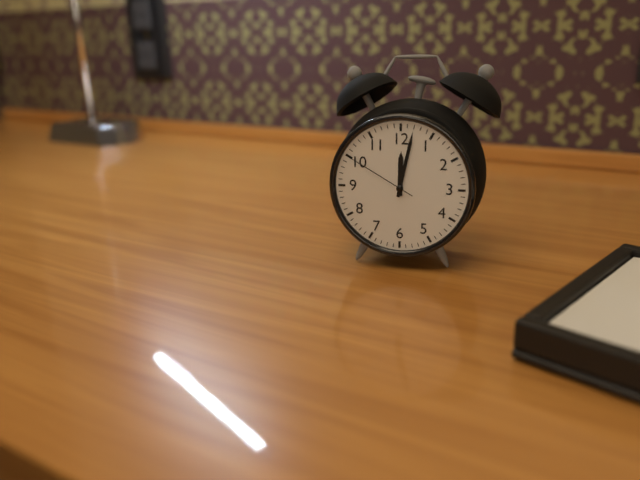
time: 12:02:50
